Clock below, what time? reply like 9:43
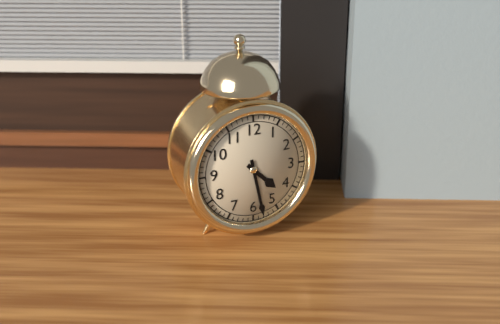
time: 4:28
